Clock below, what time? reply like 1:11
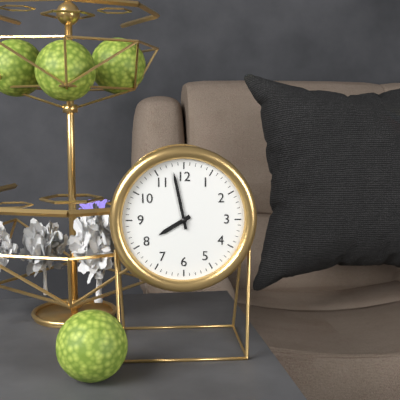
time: 7:58
